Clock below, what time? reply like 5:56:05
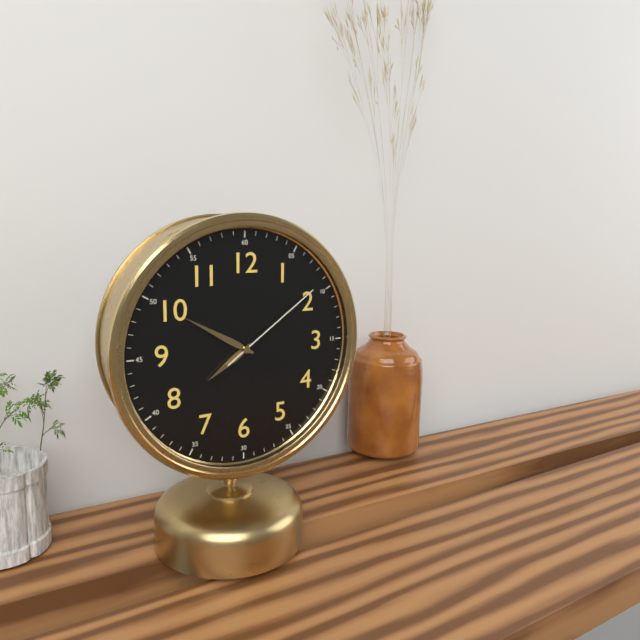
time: 7:50:09
